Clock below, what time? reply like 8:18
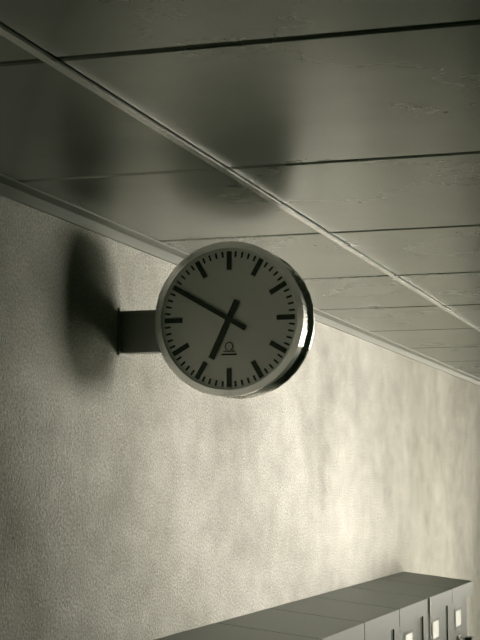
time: 6:50
